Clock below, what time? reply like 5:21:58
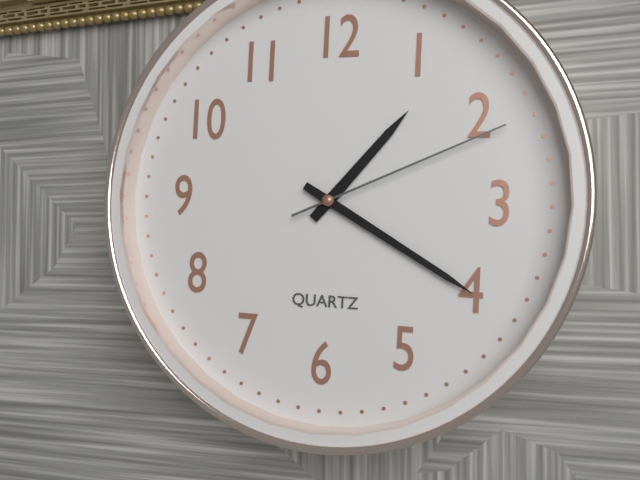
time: 1:20:11
